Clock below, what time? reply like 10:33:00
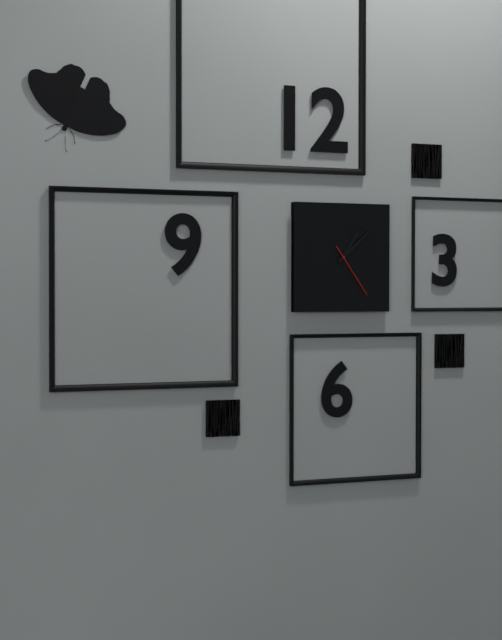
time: 1:08:24
